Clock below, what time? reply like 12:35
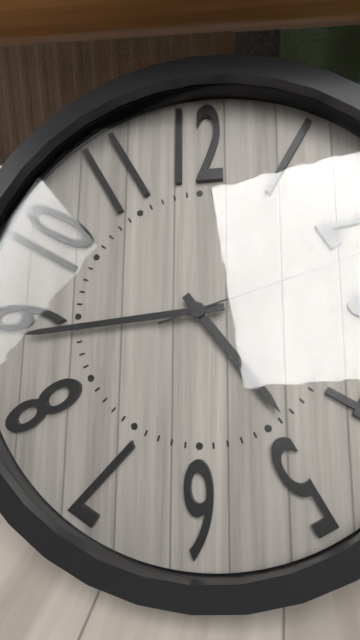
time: 4:44
